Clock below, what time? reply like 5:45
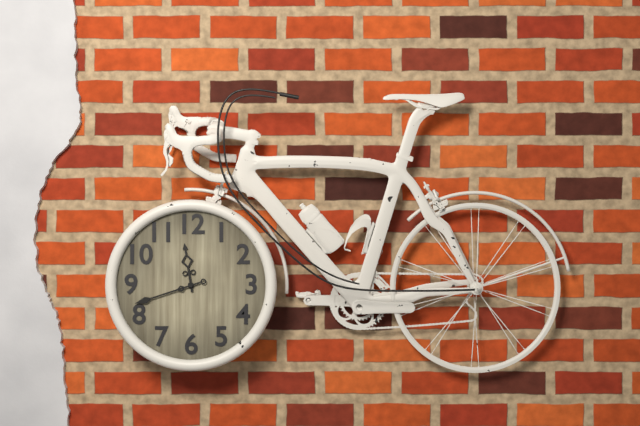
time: 11:42
